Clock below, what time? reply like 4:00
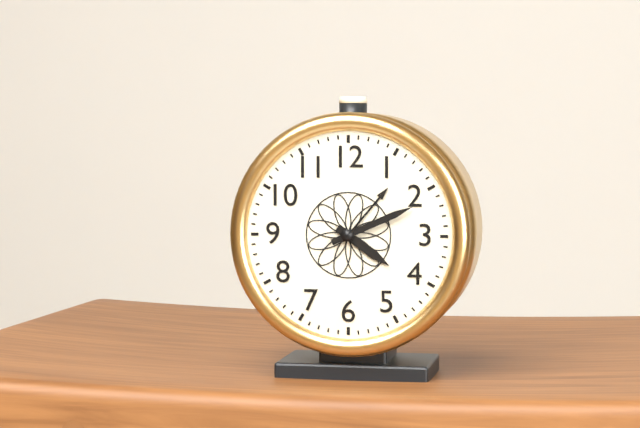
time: 4:11
